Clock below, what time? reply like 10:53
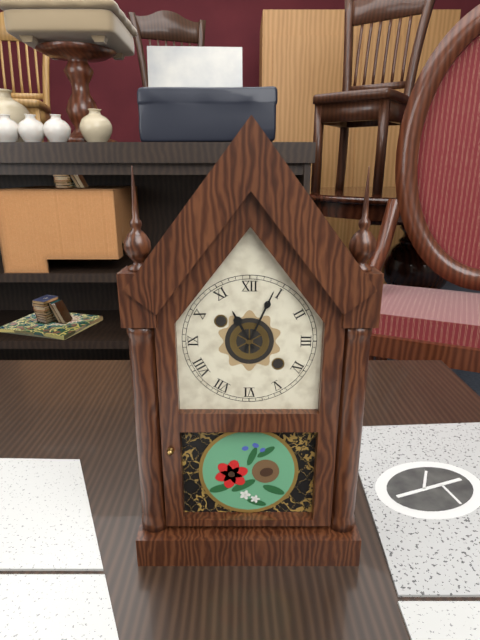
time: 11:04
